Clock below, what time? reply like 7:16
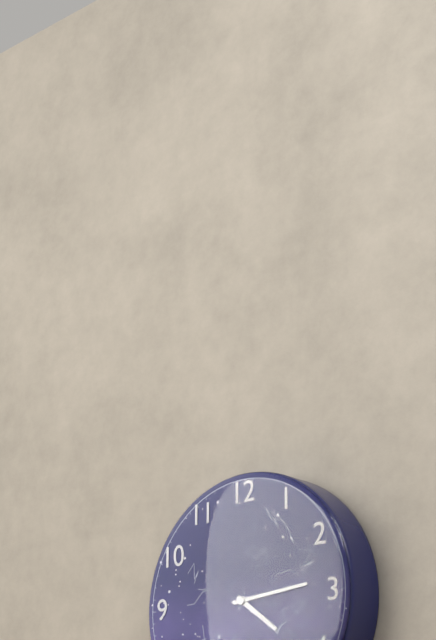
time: 4:14
